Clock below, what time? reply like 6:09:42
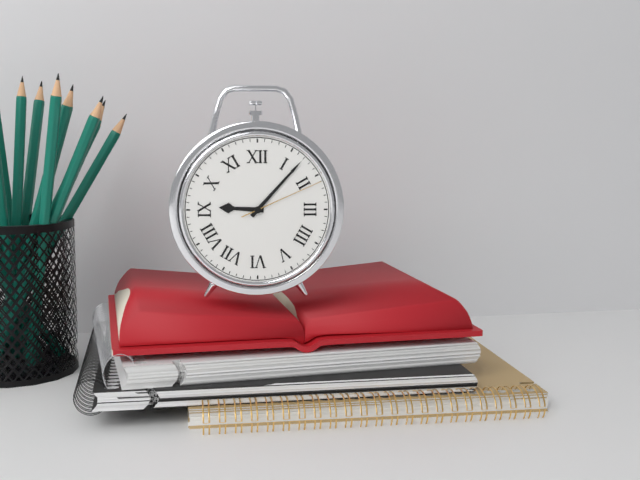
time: 9:07:11
